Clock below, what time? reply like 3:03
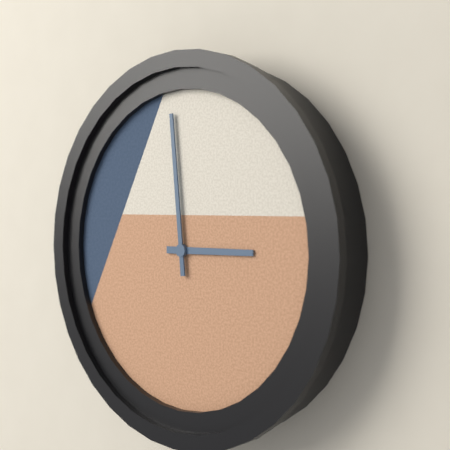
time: 2:59
